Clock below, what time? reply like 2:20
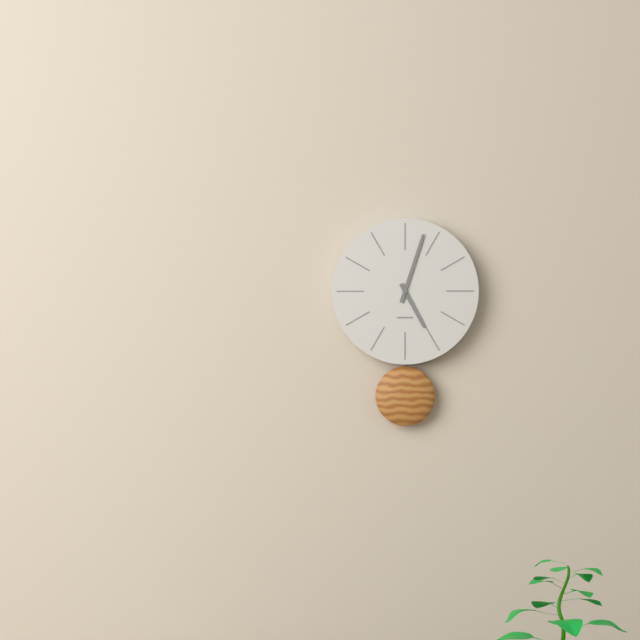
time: 5:03
